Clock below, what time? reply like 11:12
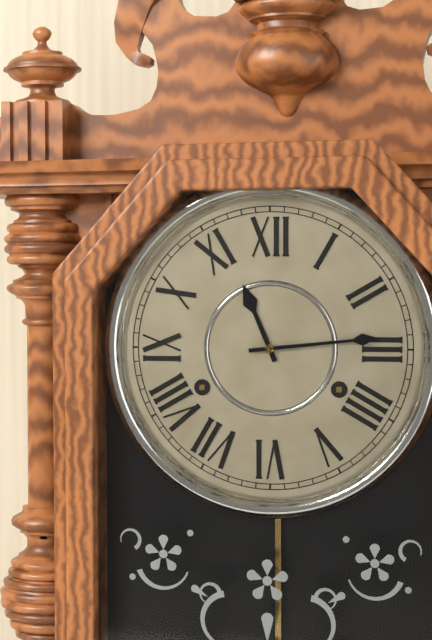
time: 11:14
